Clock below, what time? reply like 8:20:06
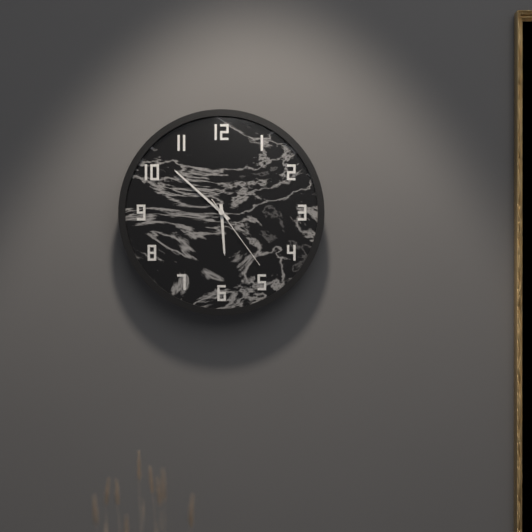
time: 5:52:24
